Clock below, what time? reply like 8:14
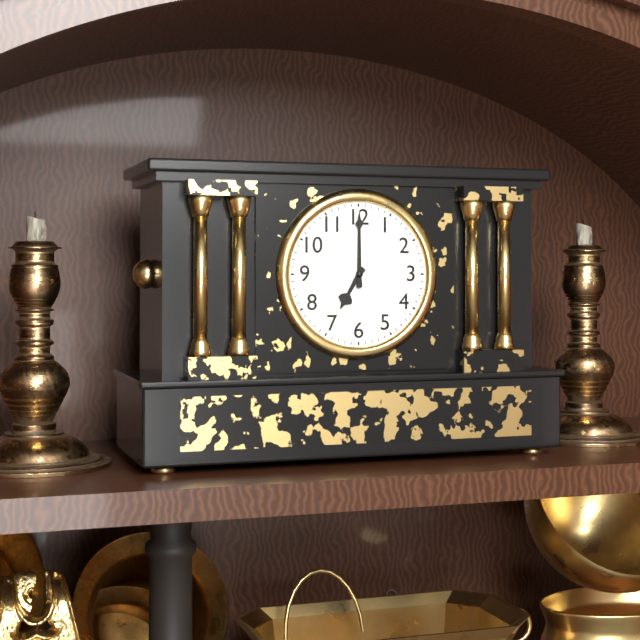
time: 7:00
